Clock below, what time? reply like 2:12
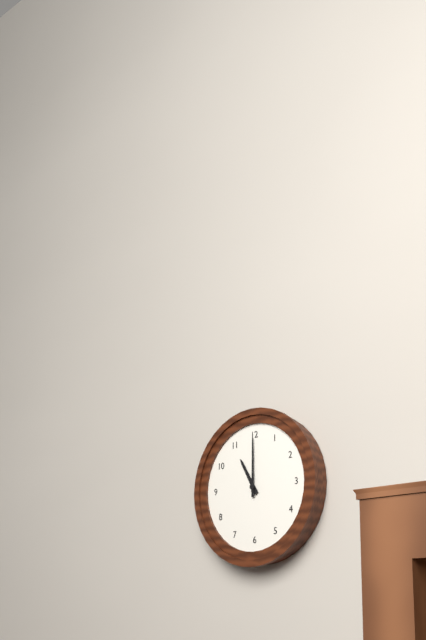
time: 11:00
